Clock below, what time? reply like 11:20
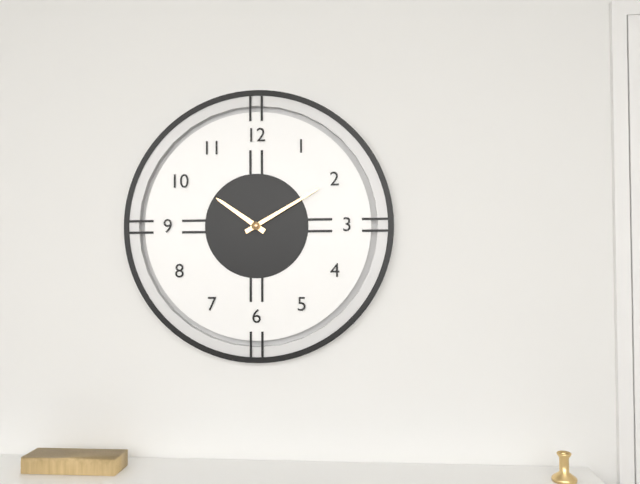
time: 10:10
